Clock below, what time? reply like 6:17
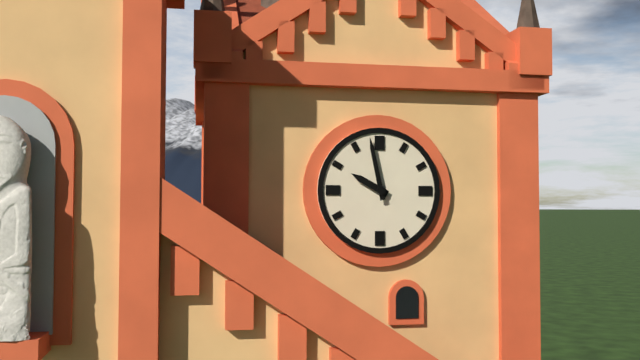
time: 9:58
